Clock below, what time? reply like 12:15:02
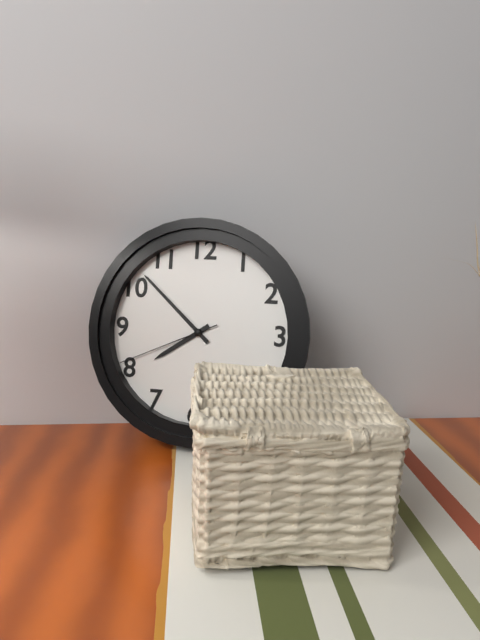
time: 7:52:41
